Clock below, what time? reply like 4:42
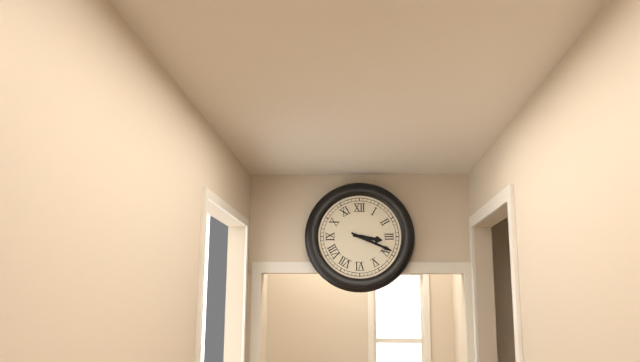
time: 3:19
